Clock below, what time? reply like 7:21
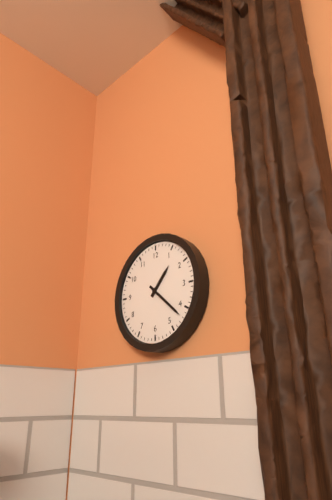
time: 1:22
